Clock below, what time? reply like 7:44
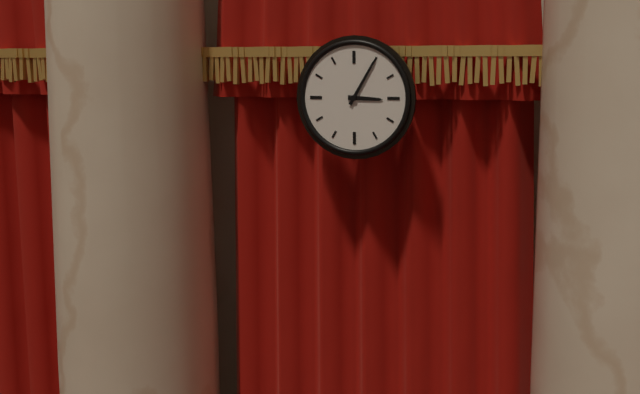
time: 3:05
